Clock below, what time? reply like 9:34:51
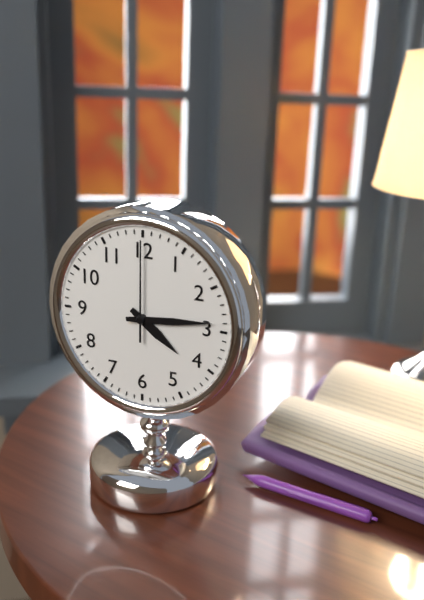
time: 4:14:00
